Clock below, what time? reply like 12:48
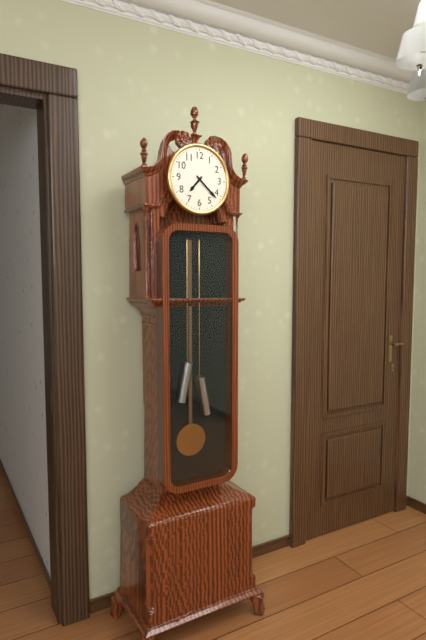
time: 7:22
